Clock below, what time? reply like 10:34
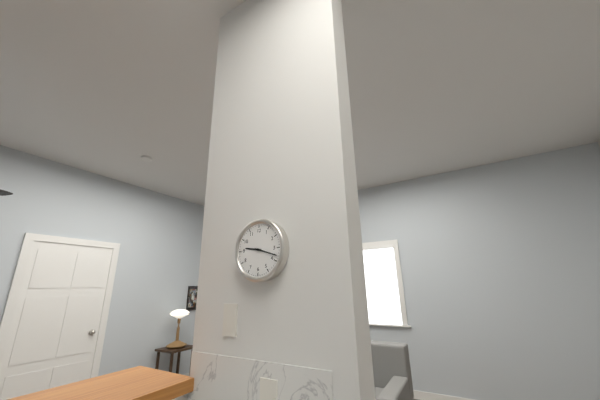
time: 9:18
